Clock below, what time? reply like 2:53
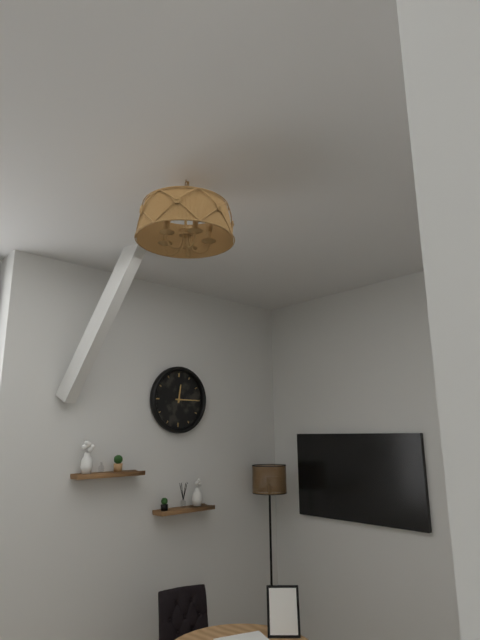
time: 12:15
